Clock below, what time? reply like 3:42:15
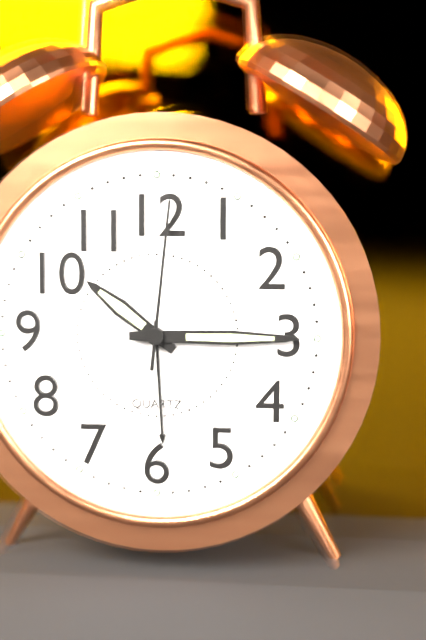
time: 10:15:01
